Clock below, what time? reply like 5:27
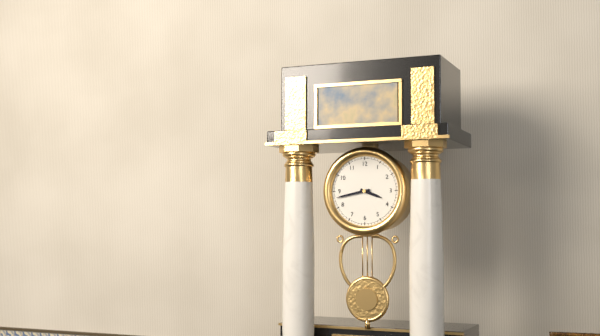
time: 3:43
